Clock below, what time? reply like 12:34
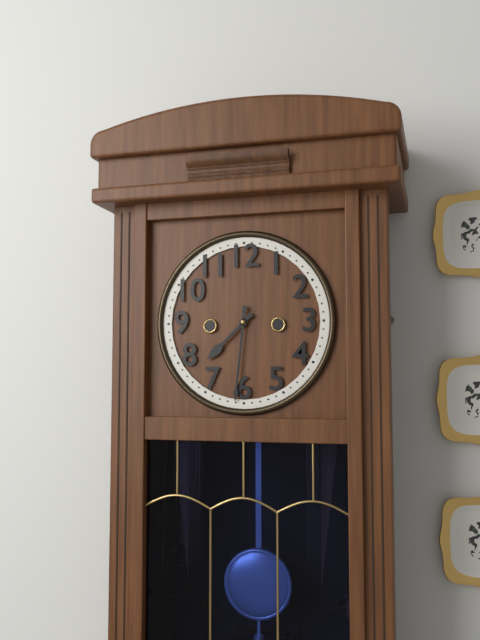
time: 7:31
